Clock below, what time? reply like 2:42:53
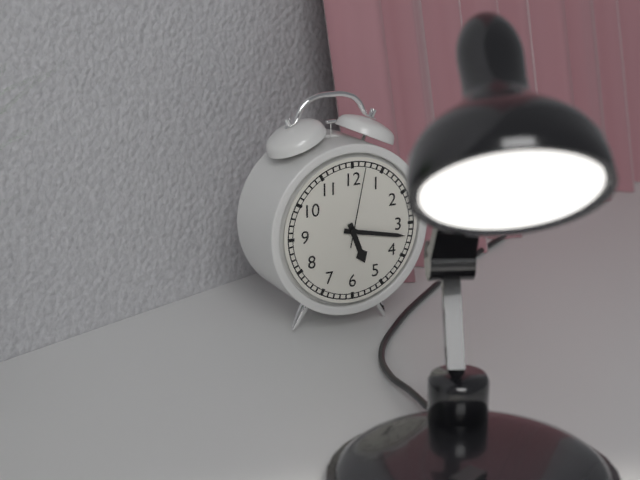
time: 5:17:02
